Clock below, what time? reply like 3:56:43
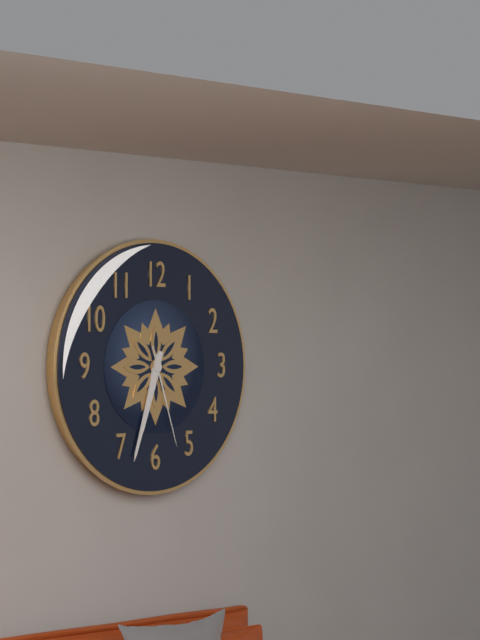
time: 6:33:27
